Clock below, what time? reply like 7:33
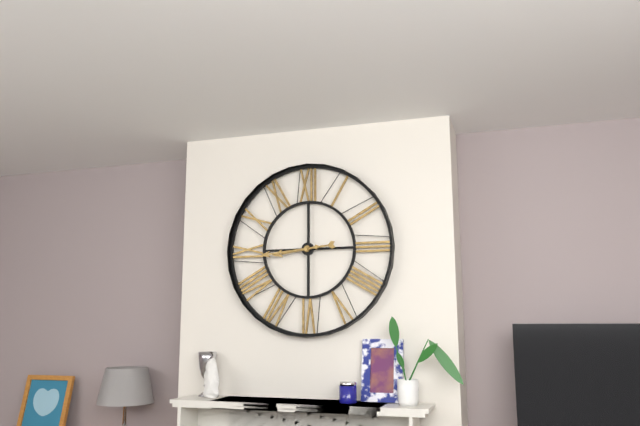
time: 8:44
